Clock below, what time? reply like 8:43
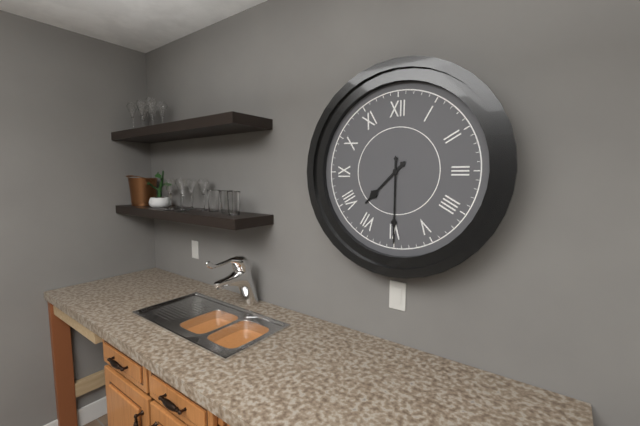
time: 7:30
